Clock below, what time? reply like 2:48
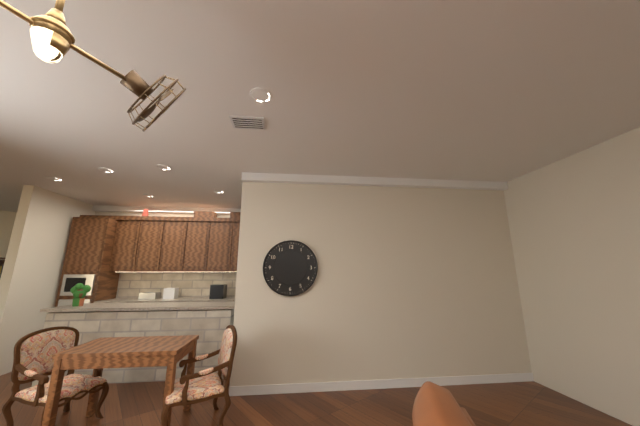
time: 5:49
